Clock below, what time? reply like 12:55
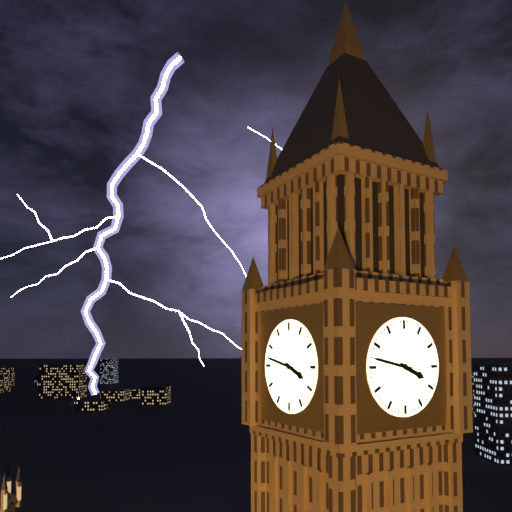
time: 3:47
